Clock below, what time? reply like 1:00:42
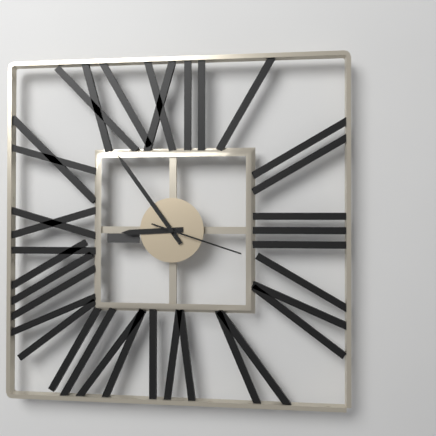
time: 8:54:18
